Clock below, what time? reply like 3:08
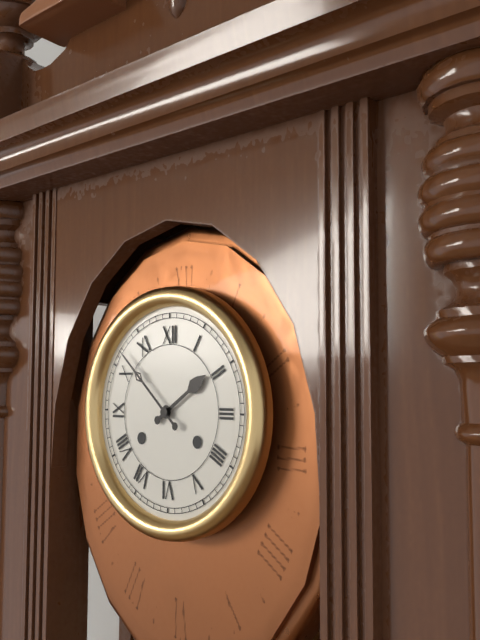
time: 1:52
